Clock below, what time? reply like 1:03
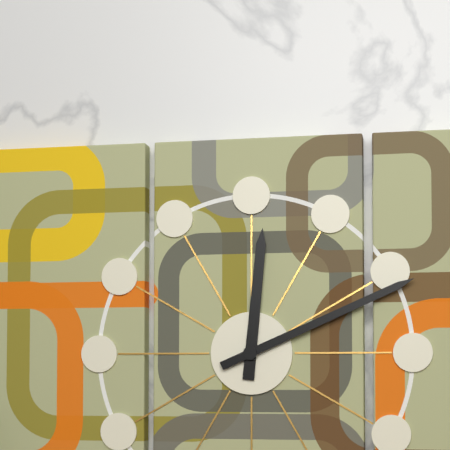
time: 12:11
